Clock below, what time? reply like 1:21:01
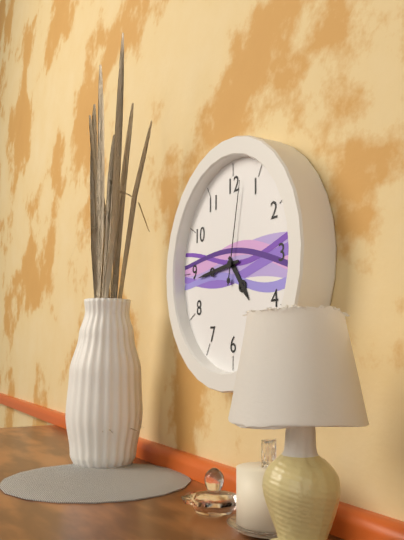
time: 4:44:02
